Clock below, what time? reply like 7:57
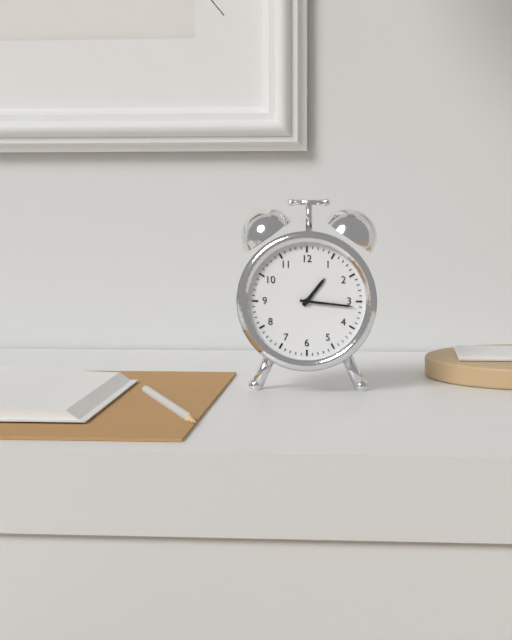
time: 1:16
